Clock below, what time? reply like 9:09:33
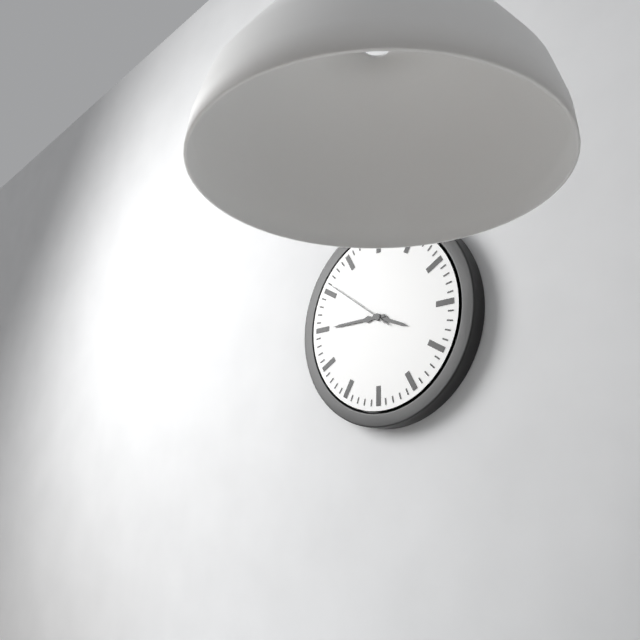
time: 3:45:51
